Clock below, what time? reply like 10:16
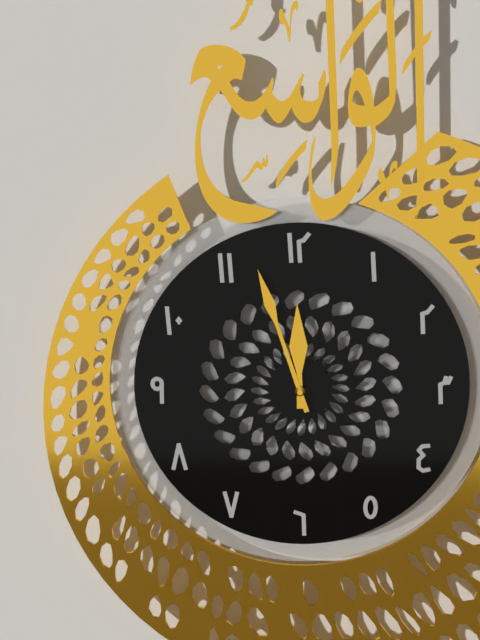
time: 11:57
